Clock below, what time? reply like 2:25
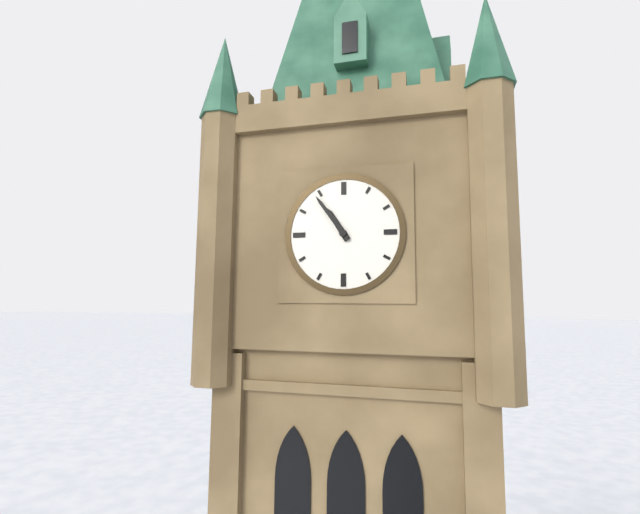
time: 10:54
